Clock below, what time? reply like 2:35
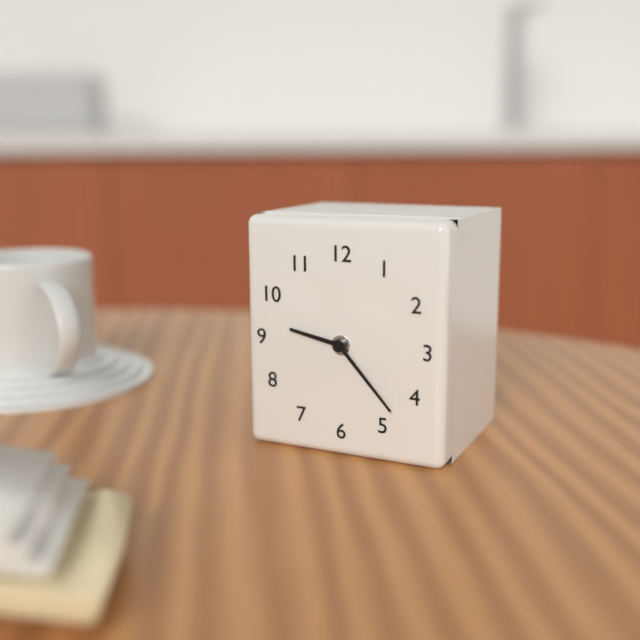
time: 9:23
